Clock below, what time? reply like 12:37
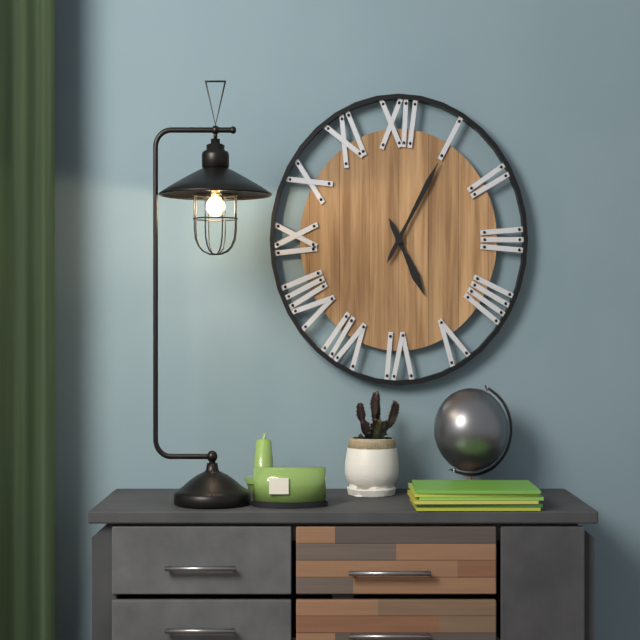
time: 5:05
